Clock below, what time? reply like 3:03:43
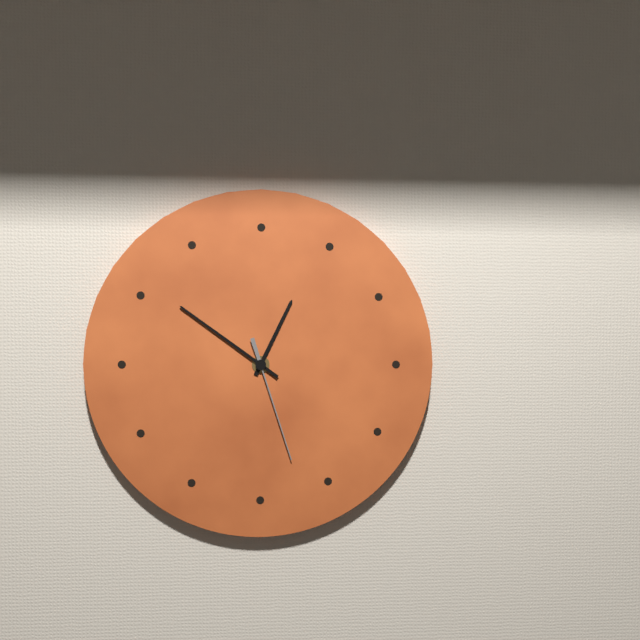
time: 12:51:27
